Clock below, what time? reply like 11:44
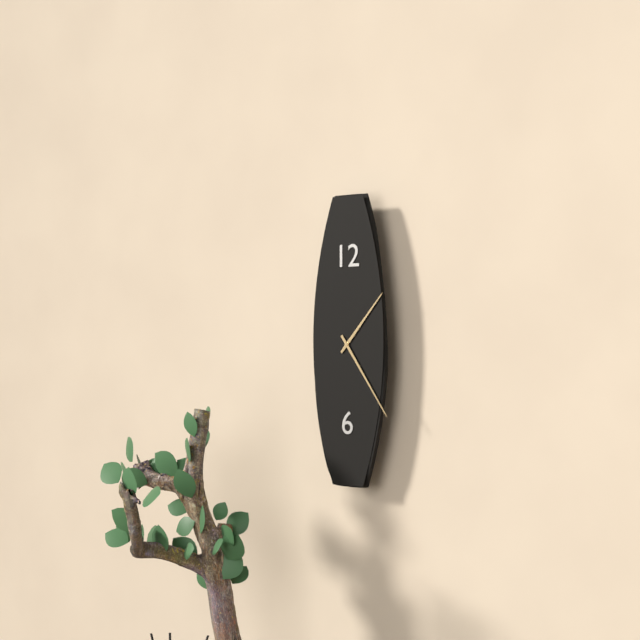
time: 1:24
